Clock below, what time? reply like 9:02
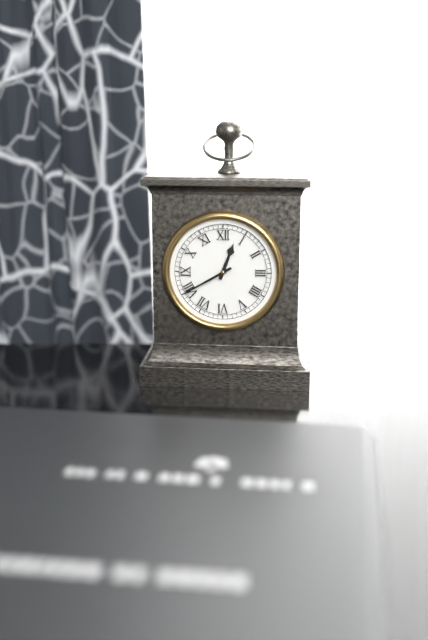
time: 12:40
